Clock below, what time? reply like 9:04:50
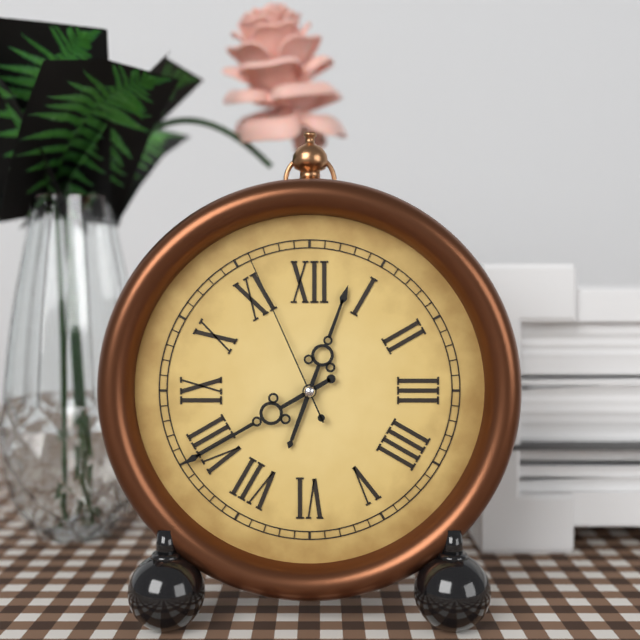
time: 12:40:56
